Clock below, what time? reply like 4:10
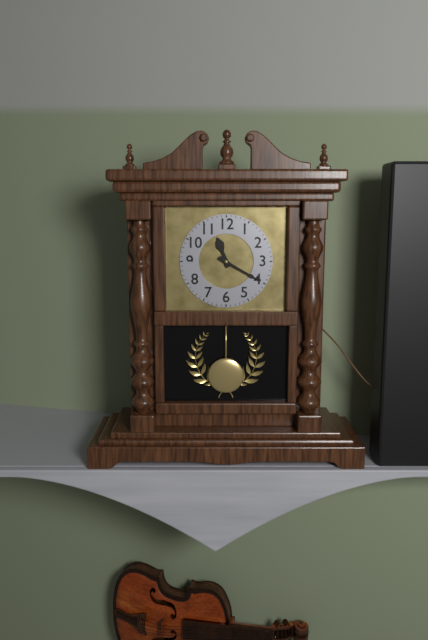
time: 11:20
